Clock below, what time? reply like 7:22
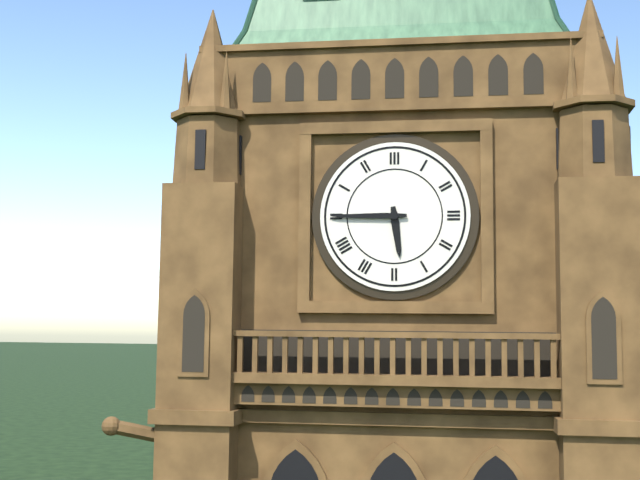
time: 5:45
